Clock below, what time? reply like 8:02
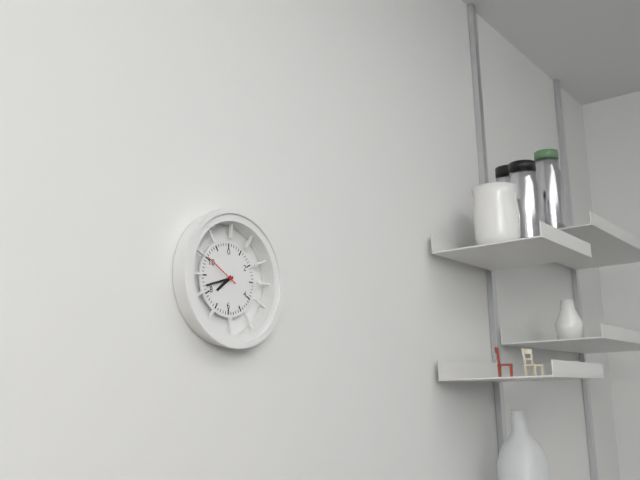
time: 7:42
